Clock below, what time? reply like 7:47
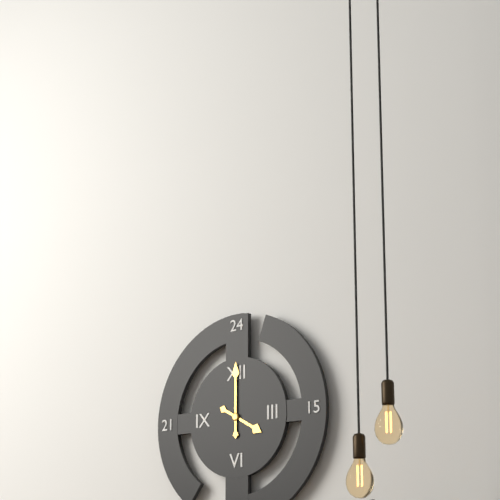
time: 4:00
